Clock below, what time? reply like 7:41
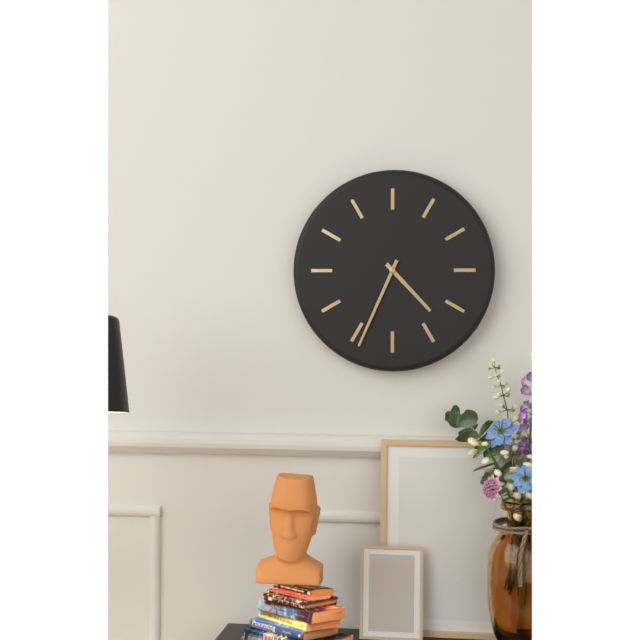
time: 4:34
